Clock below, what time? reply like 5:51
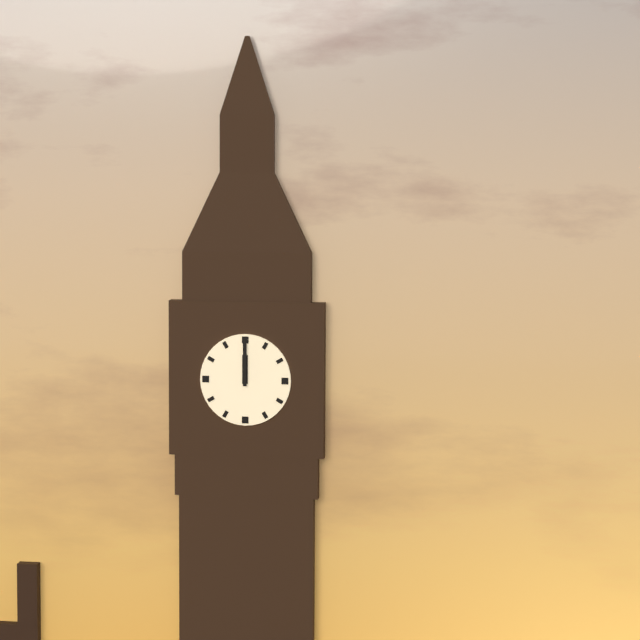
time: 12:00
